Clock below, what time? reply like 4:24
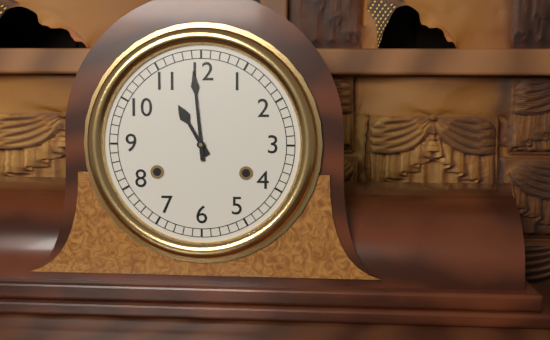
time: 10:59
